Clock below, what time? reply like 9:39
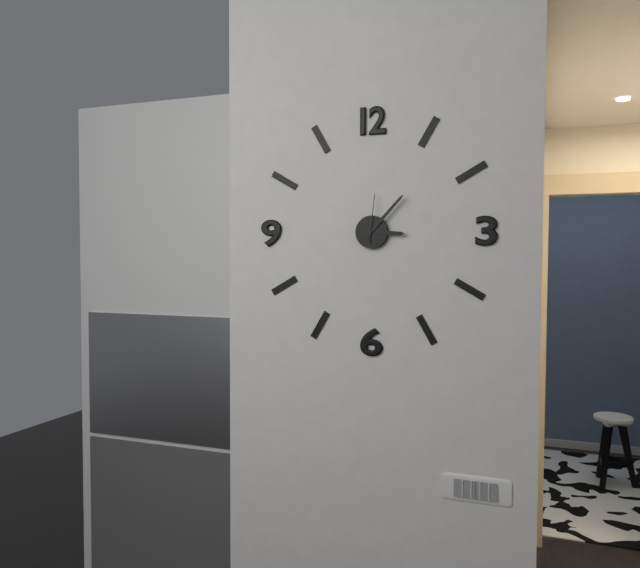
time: 3:07
